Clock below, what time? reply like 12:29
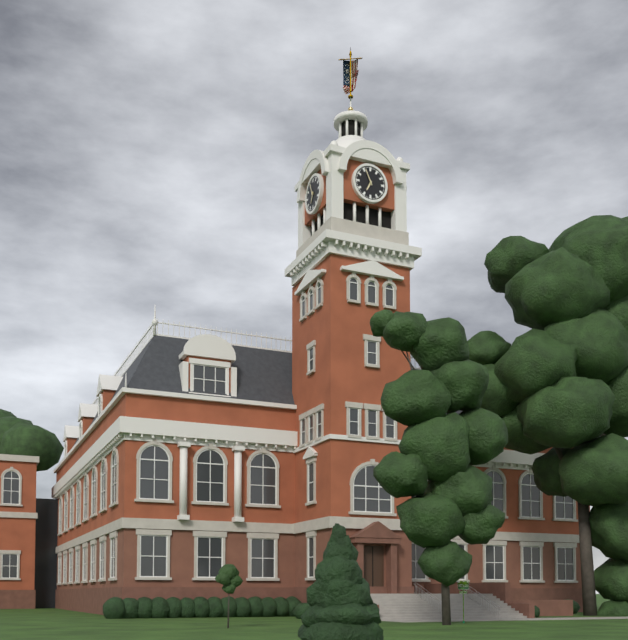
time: 6:56
